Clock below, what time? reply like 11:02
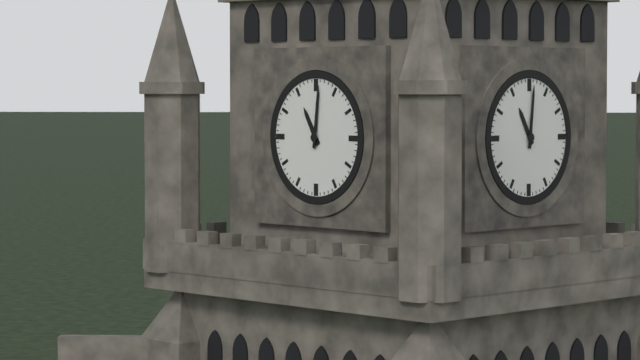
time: 11:01
